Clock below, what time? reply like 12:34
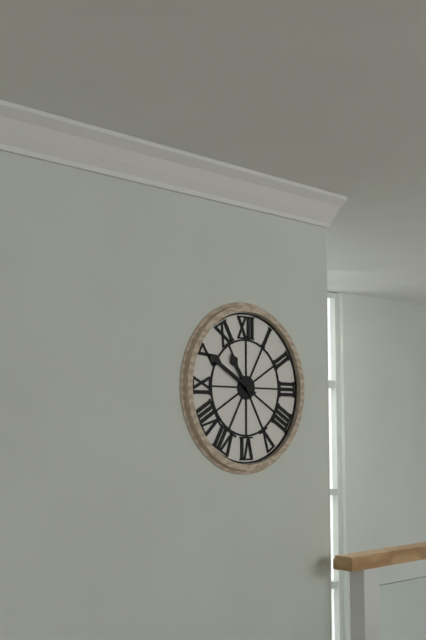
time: 10:50
